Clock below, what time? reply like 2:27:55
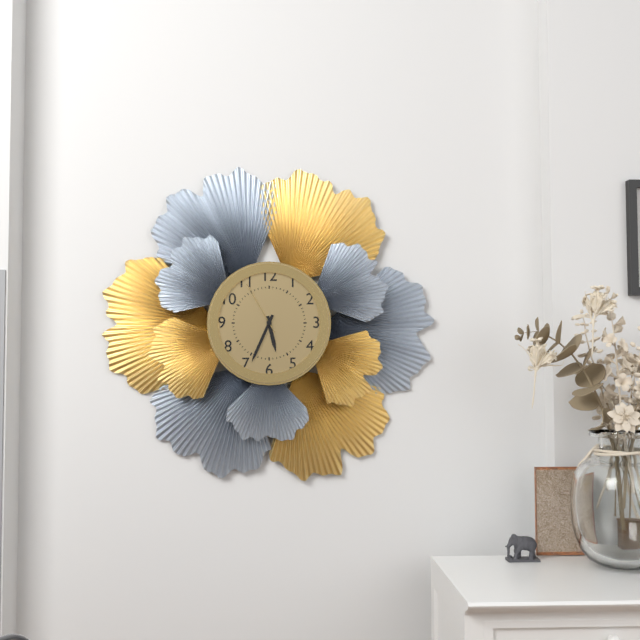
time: 5:34:55
